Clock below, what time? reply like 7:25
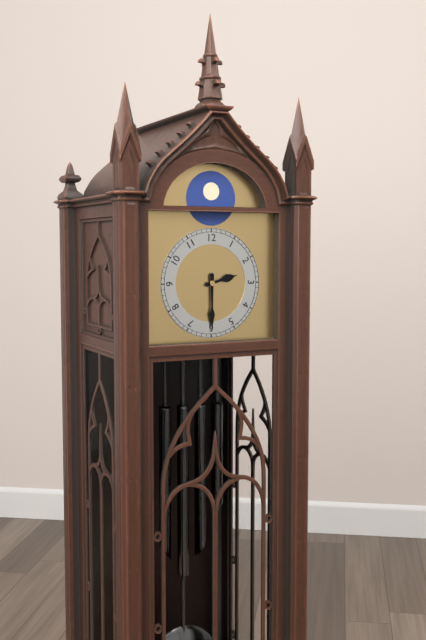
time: 2:30
